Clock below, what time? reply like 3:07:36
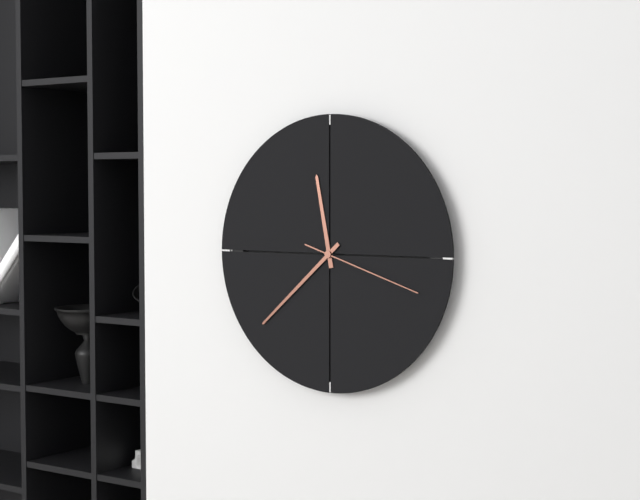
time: 11:38:18
